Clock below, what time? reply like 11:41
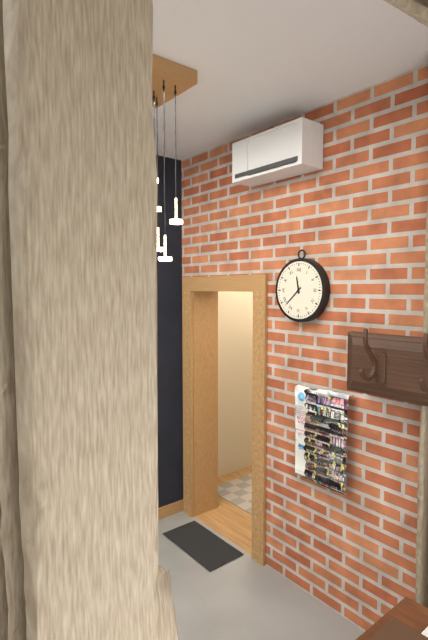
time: 11:38
